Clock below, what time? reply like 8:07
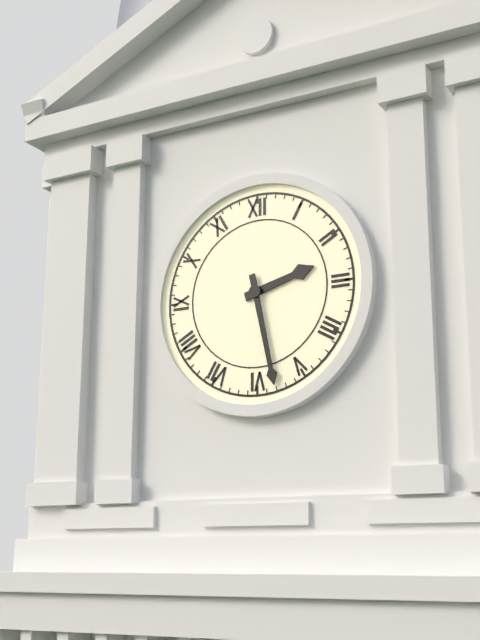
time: 2:28
